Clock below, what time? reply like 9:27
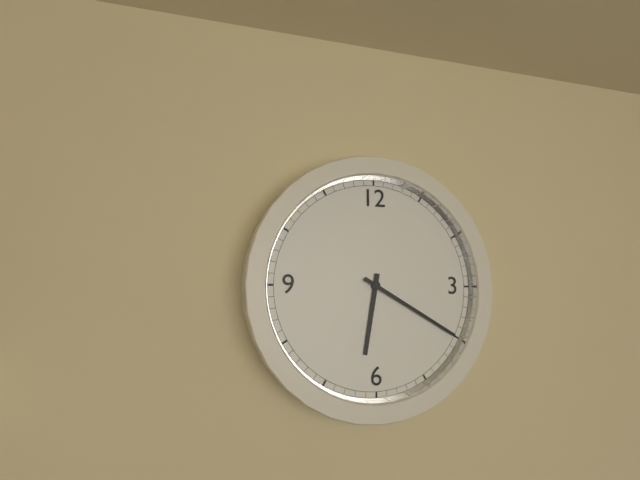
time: 6:20
